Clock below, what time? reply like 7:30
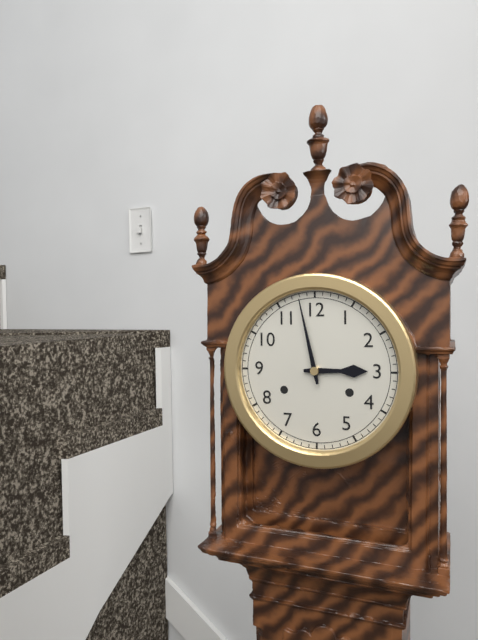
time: 2:58
